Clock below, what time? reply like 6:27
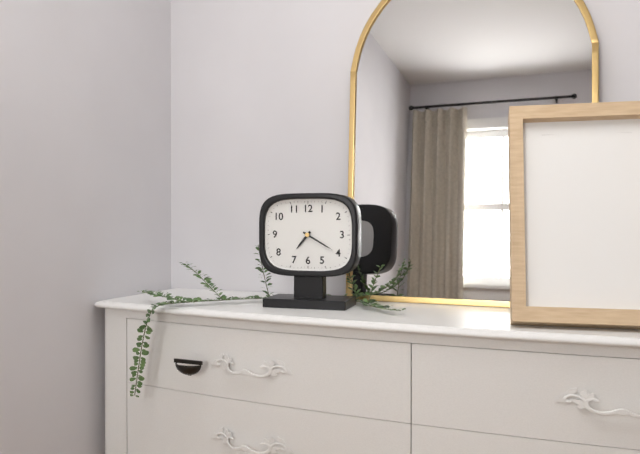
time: 7:20
